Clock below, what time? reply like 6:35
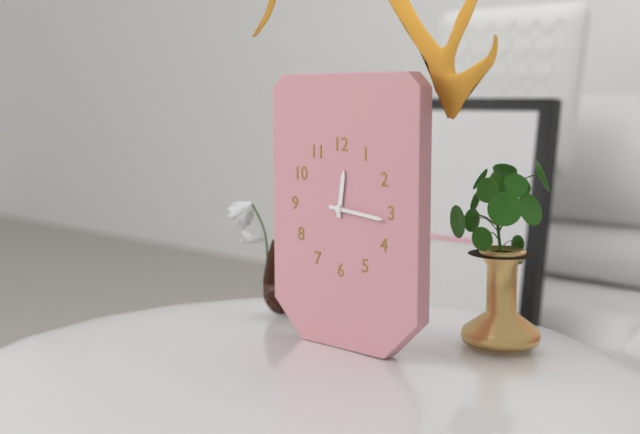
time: 12:16
